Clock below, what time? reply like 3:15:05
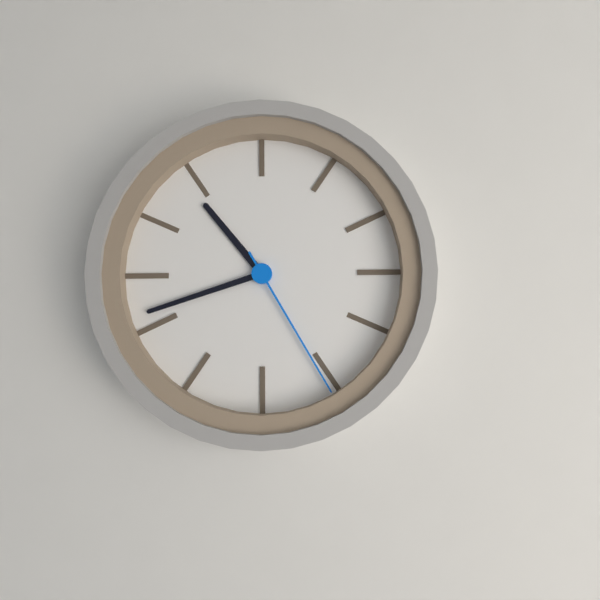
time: 10:42:25
